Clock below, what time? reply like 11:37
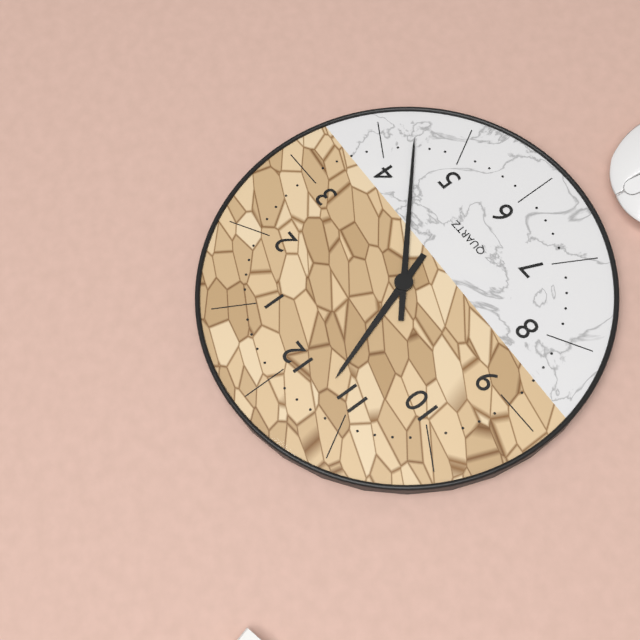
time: 11:22
